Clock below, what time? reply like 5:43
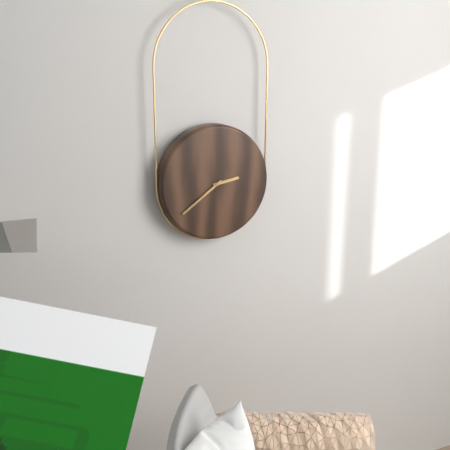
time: 2:39
